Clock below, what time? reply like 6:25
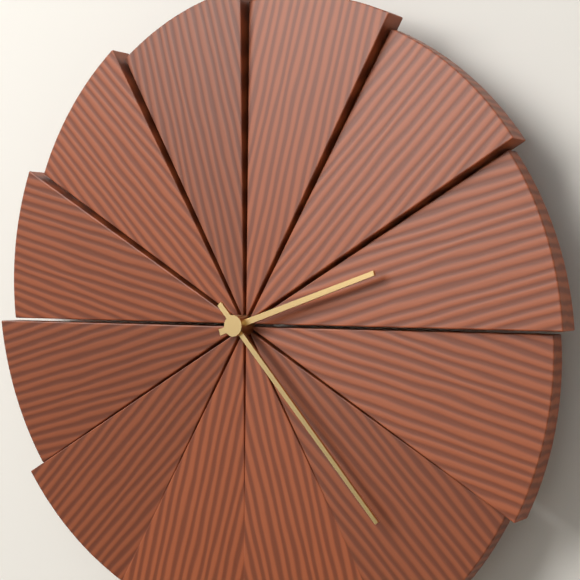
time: 2:23
